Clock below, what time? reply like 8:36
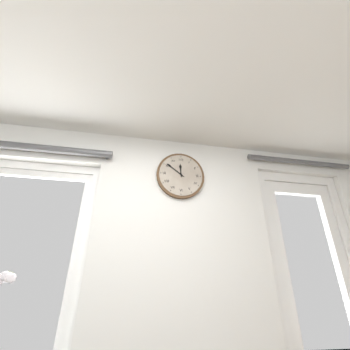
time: 11:51
